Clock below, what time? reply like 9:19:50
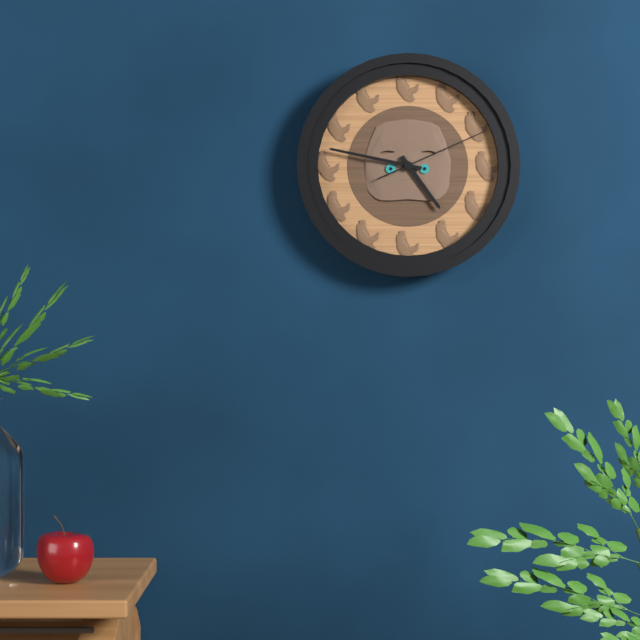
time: 4:47:11
